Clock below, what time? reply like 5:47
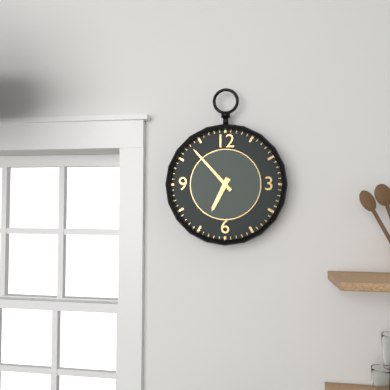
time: 6:53
